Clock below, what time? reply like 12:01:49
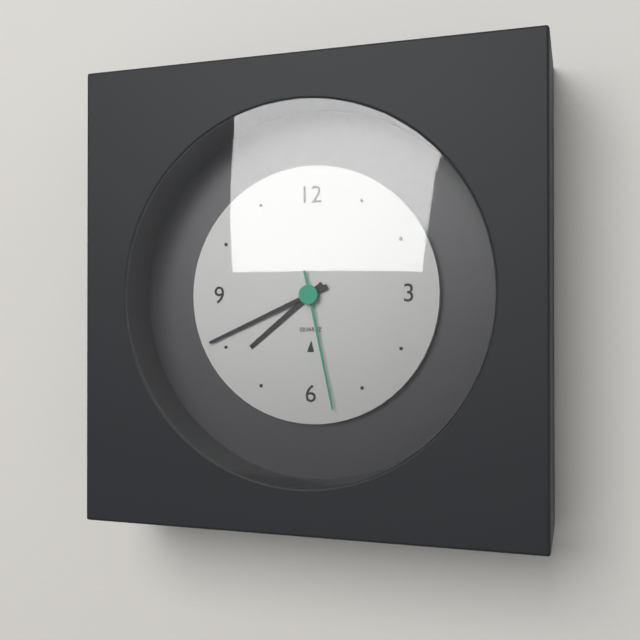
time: 7:41:28
